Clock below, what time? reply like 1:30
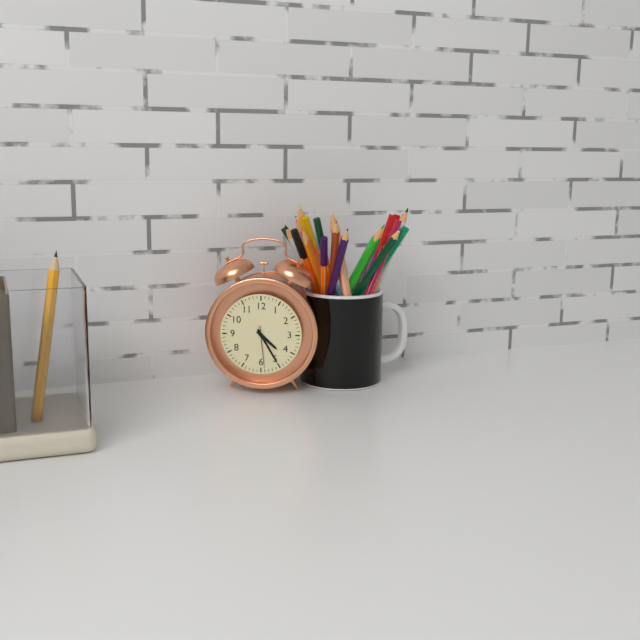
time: 4:25
